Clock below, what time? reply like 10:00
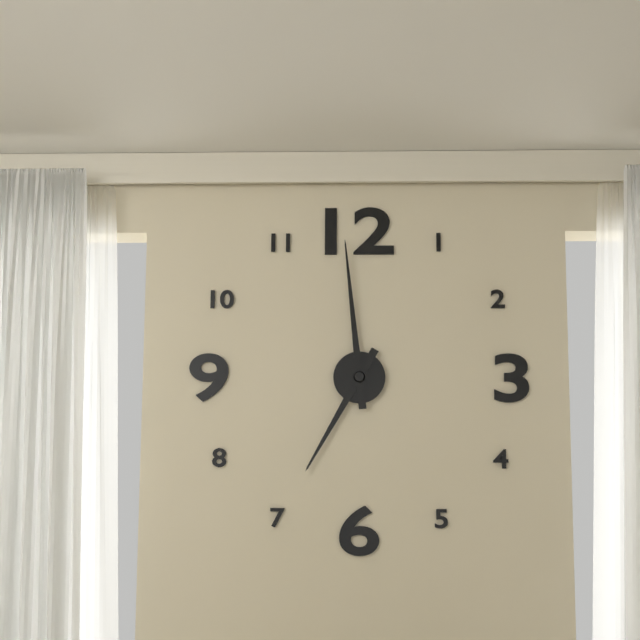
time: 6:59
